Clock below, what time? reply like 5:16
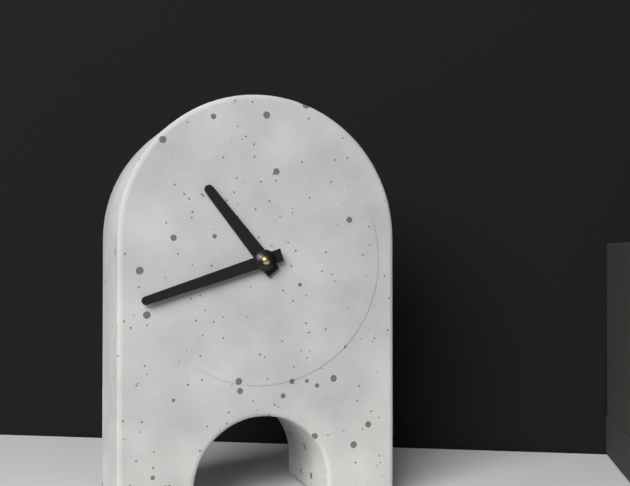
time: 10:42
